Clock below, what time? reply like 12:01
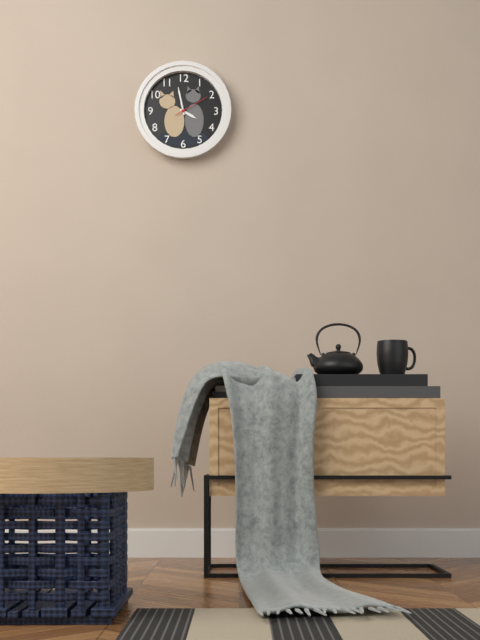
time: 3:58
